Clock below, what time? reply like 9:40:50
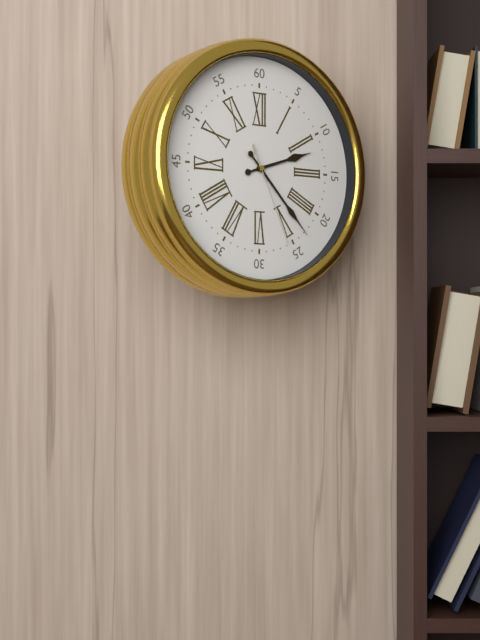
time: 2:23:26
